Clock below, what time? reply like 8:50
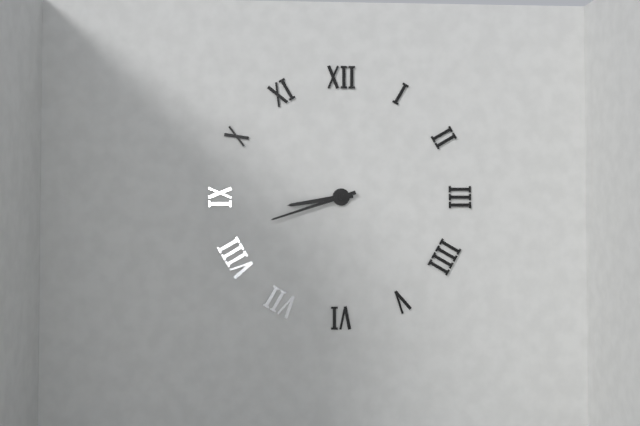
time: 8:42
